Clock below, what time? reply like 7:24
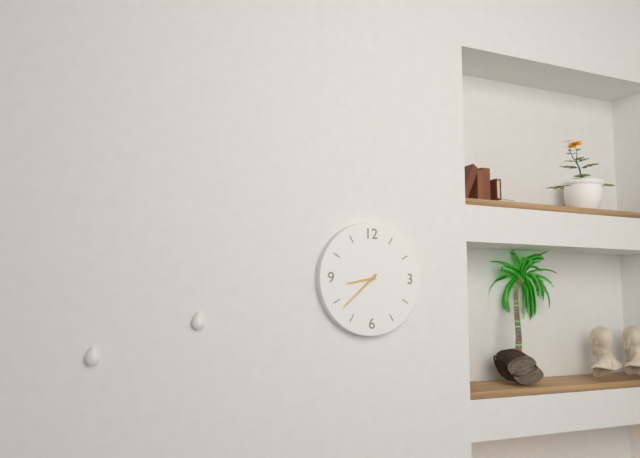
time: 8:38
